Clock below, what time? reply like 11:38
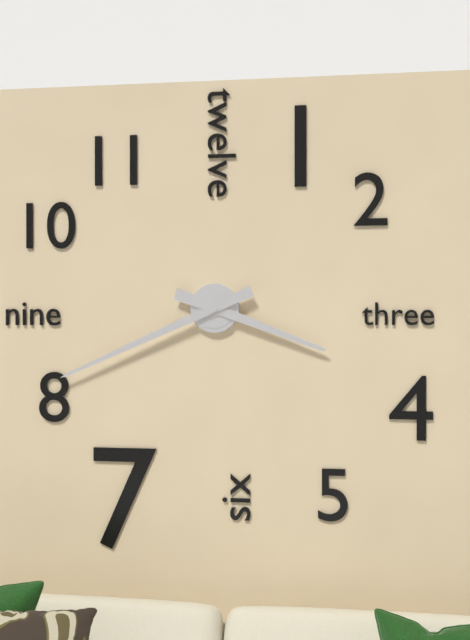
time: 3:41
